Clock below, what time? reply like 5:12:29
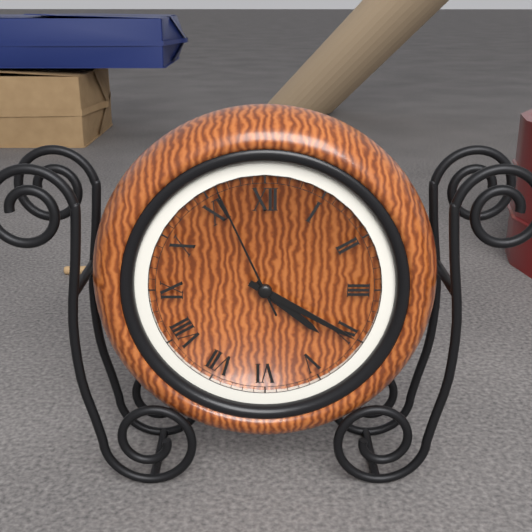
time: 4:20:56
